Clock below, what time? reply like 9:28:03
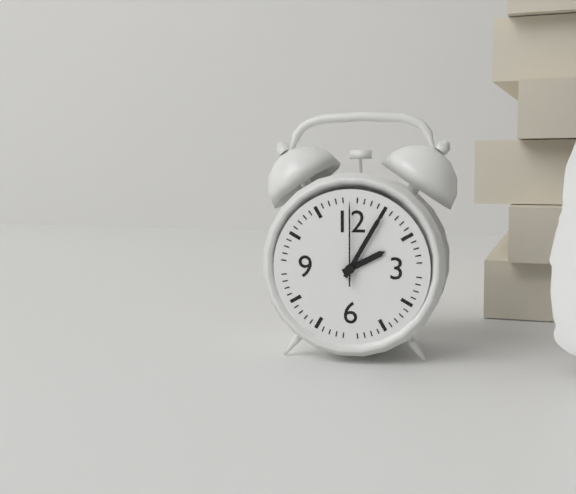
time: 2:05:00
